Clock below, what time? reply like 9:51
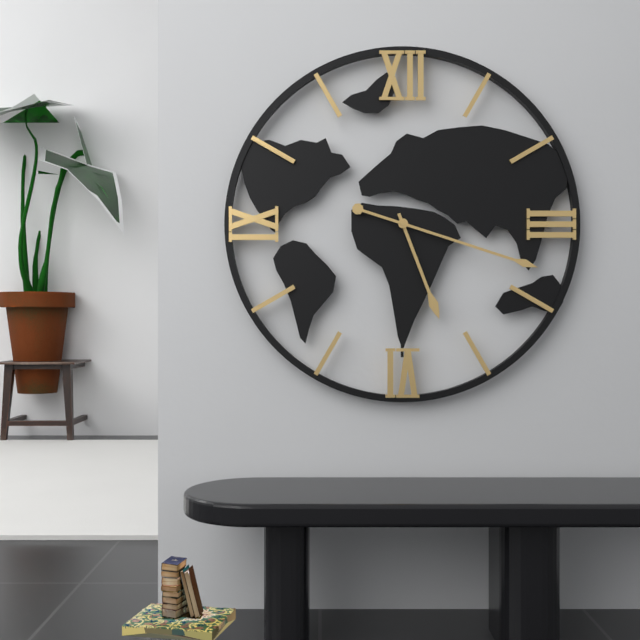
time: 5:18
